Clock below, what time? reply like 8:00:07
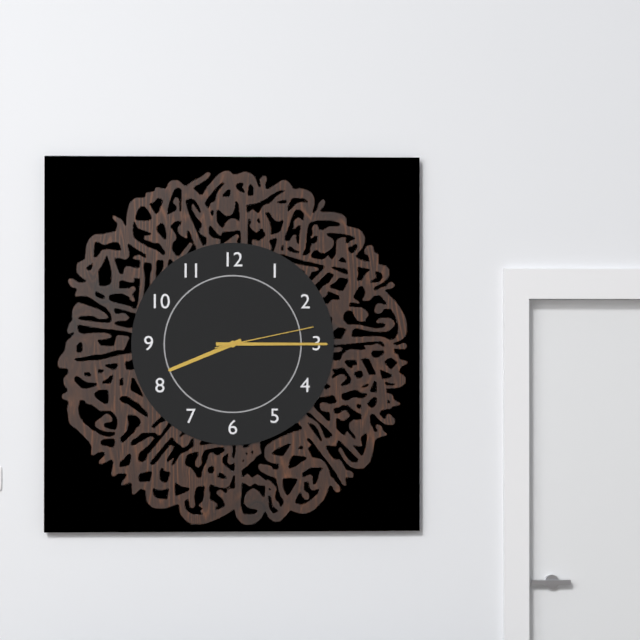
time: 8:15:13
